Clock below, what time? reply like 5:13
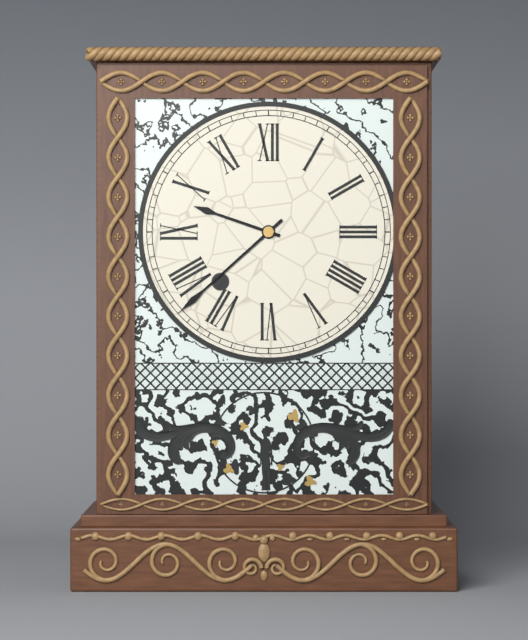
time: 9:38
